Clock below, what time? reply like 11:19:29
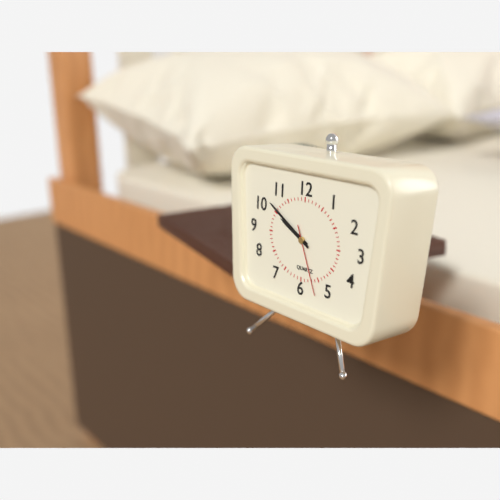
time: 9:50:26
